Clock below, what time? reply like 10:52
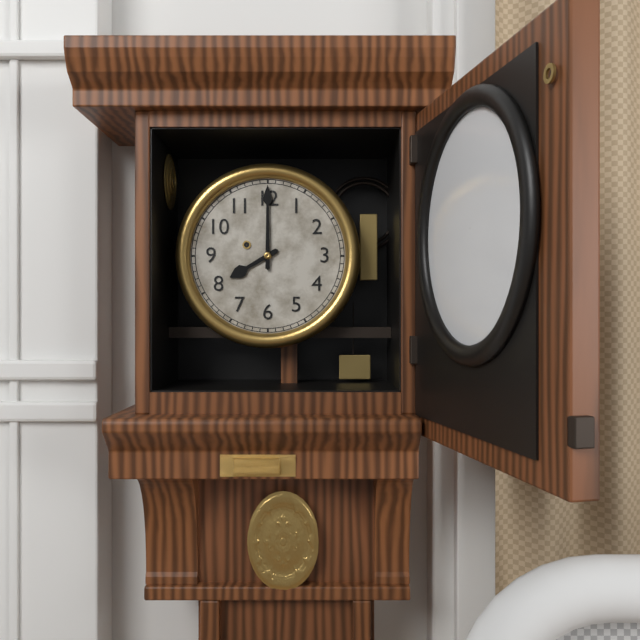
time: 8:00
